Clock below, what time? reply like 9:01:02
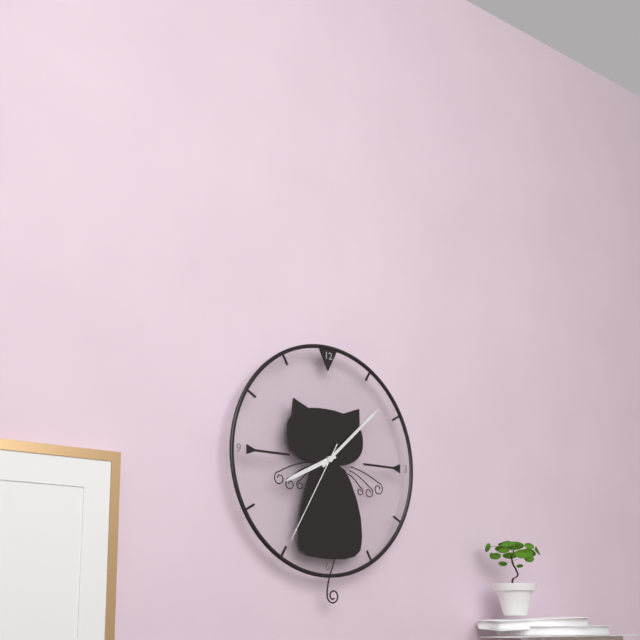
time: 8:08:35
